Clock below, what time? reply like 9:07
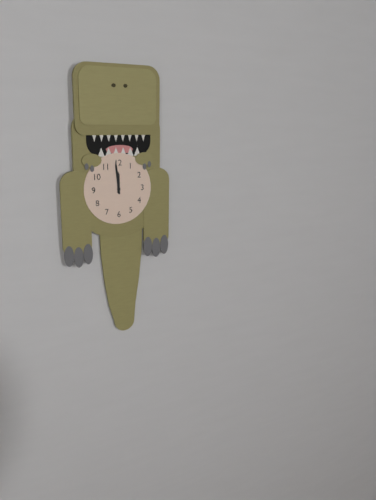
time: 11:59
